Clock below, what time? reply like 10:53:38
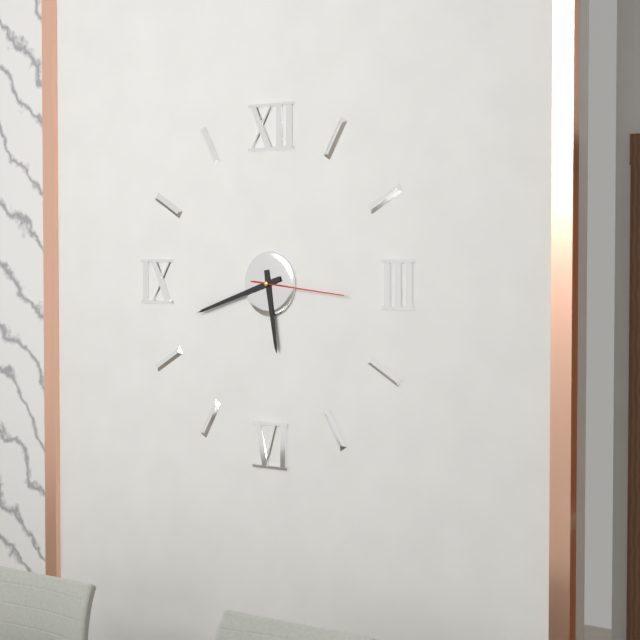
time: 5:42:16
